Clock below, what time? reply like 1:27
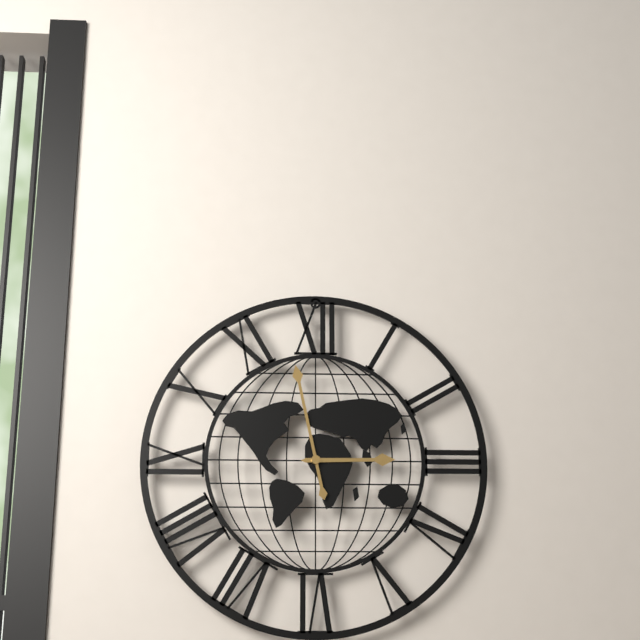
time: 2:58
